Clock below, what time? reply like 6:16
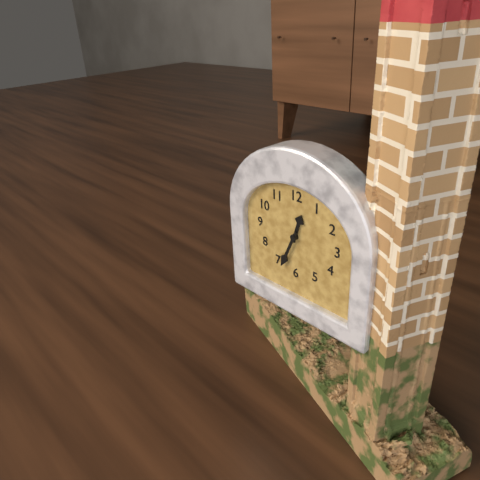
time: 12:34
